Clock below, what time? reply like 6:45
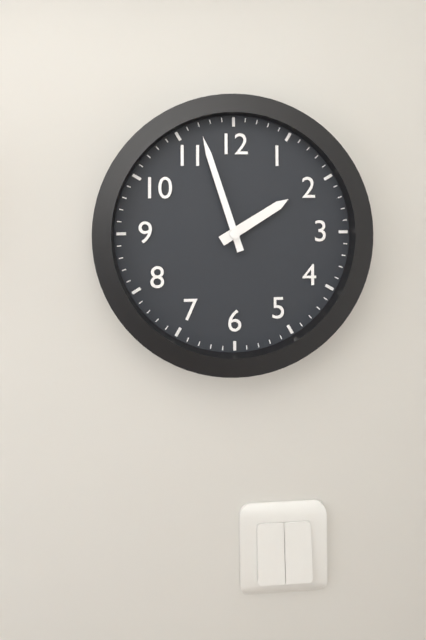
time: 1:57
